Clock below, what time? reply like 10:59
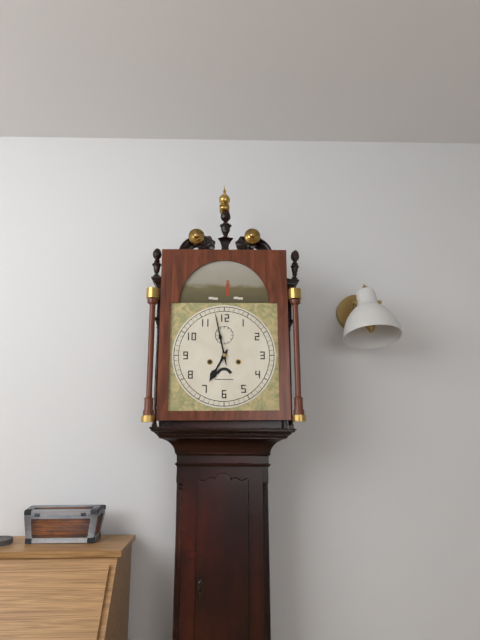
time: 6:58
